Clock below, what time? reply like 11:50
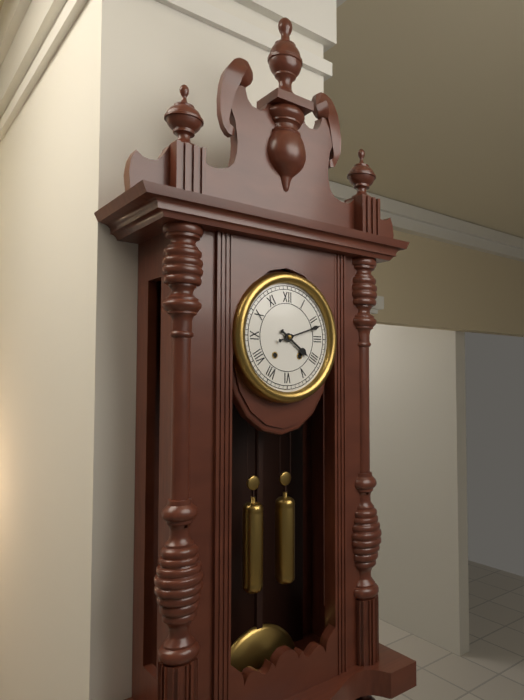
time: 4:12
